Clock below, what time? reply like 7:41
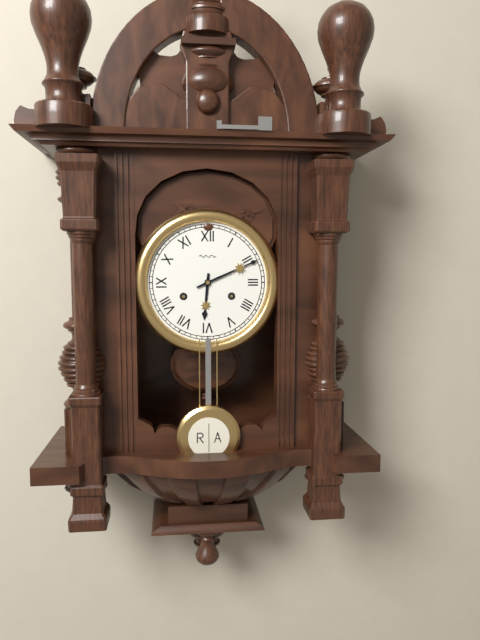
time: 6:11
